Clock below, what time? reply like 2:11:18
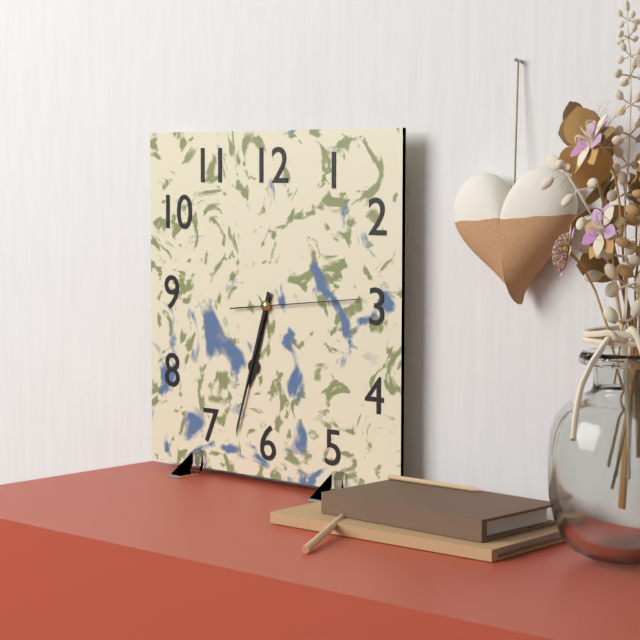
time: 6:33:14
